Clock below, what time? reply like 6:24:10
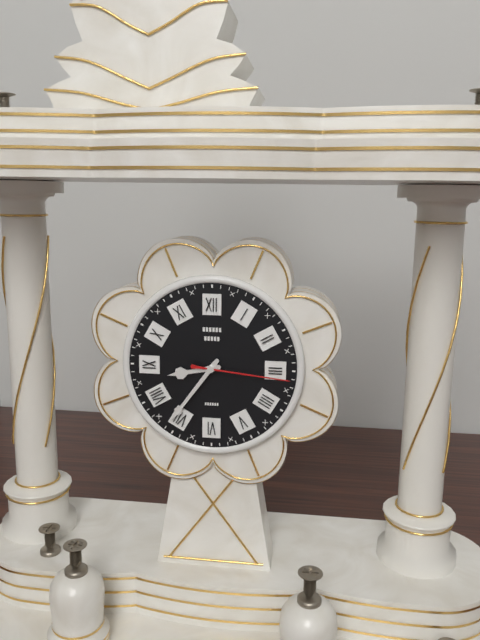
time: 8:36:16
